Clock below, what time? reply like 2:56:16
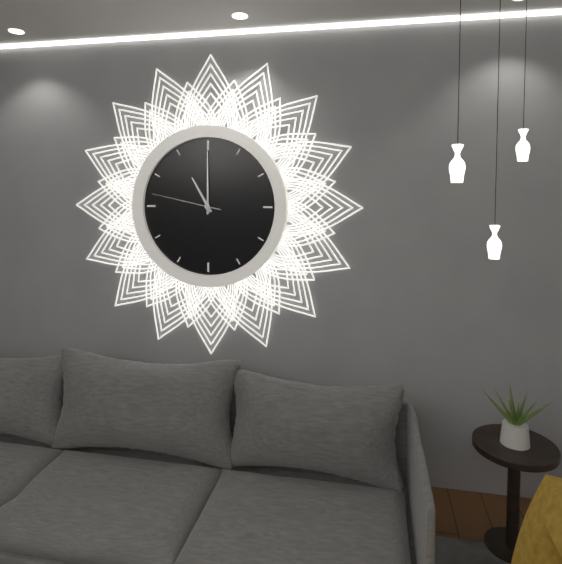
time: 11:00:47
